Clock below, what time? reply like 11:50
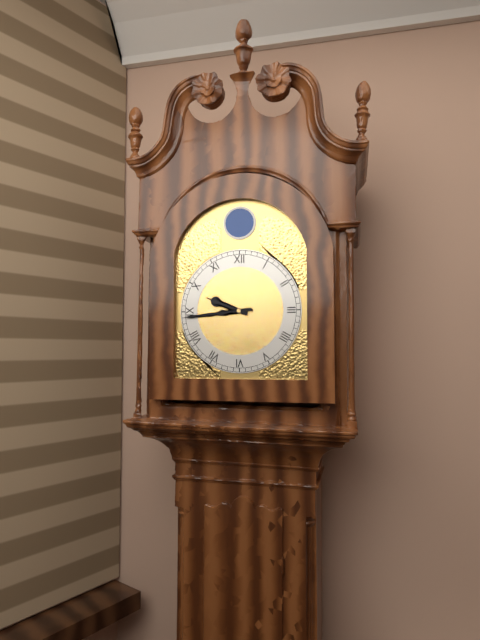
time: 9:44
